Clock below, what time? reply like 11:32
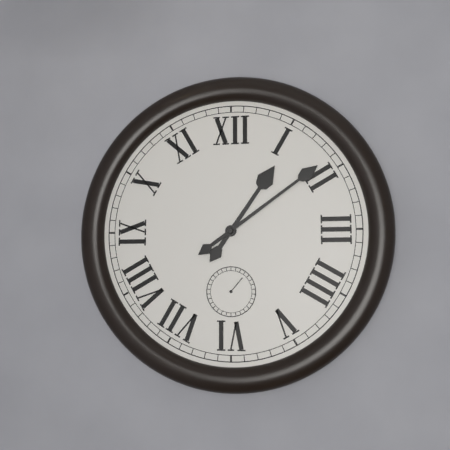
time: 1:09
